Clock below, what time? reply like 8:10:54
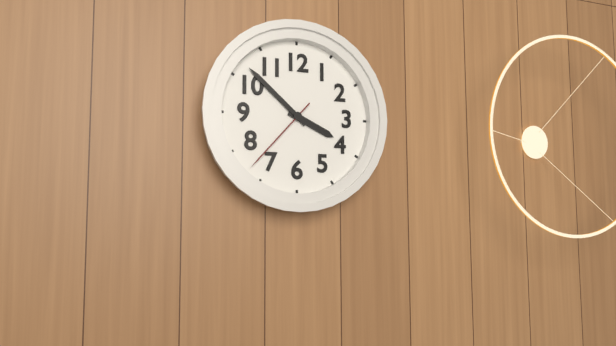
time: 3:52:37
